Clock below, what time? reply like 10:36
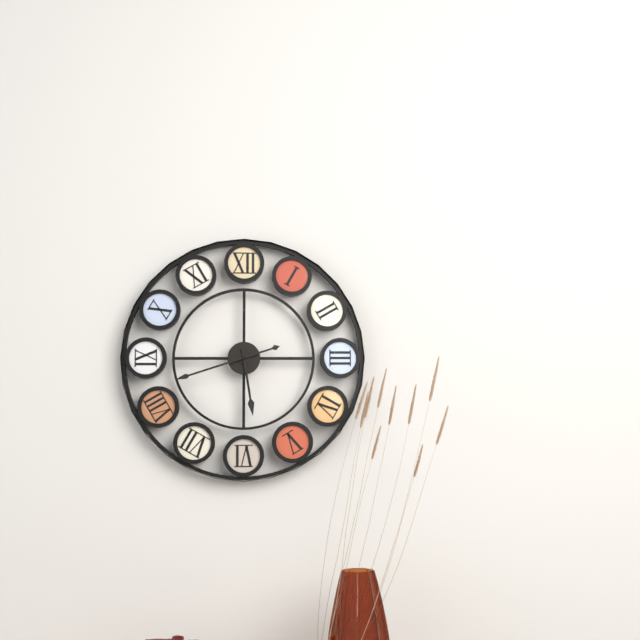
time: 5:42
